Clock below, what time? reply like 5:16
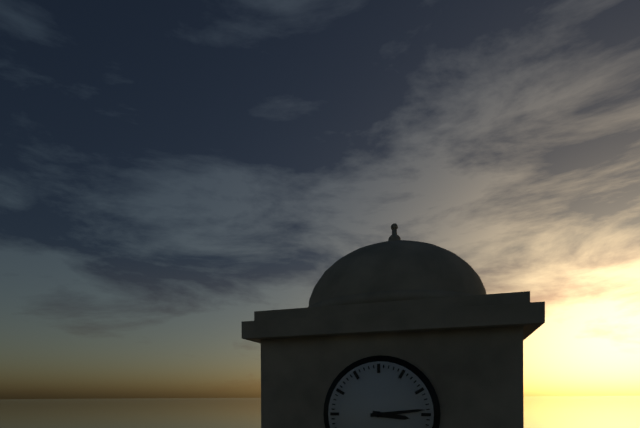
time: 3:14
